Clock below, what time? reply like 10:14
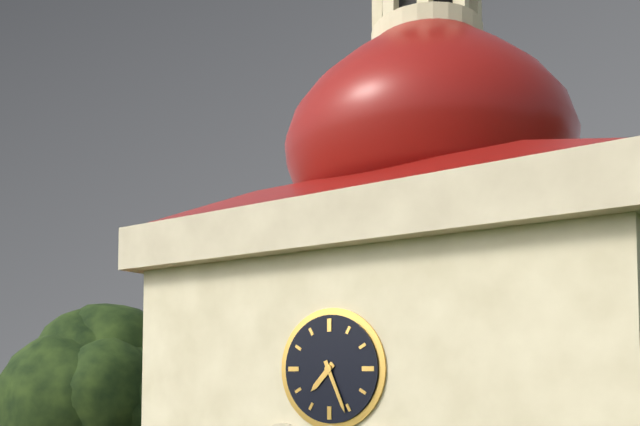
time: 7:26
